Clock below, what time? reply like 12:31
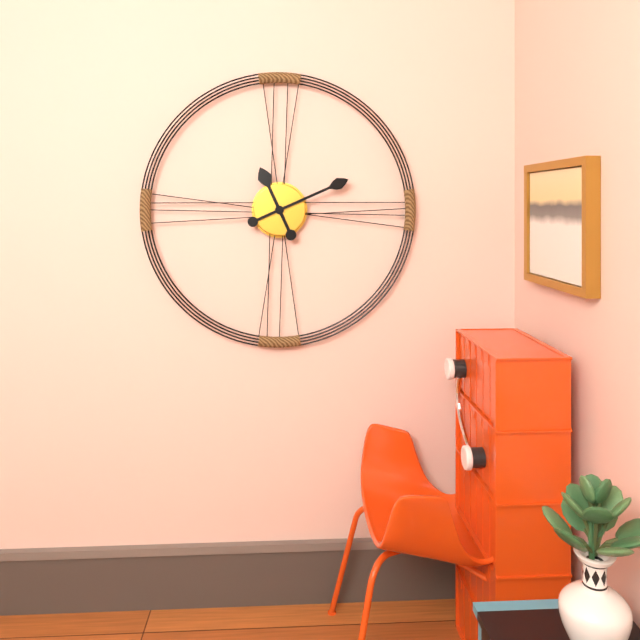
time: 11:11
